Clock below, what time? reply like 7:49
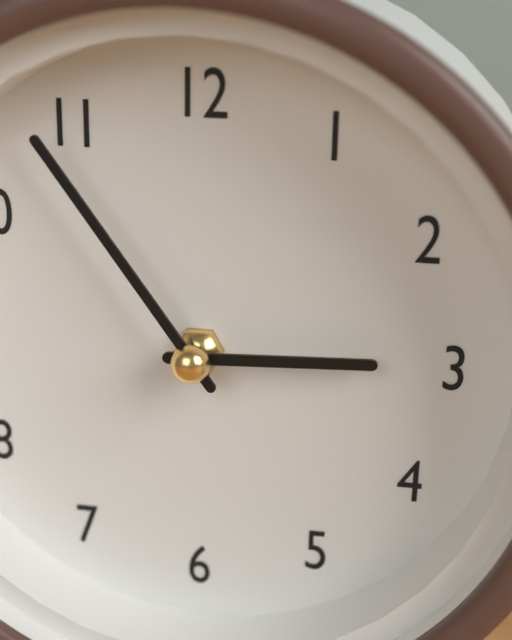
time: 2:54
